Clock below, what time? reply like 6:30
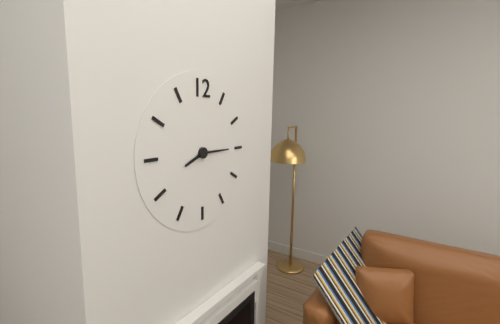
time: 8:15
